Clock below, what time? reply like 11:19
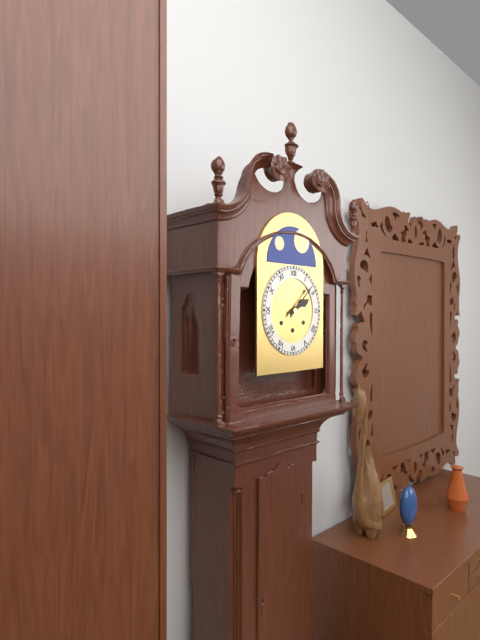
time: 2:08
